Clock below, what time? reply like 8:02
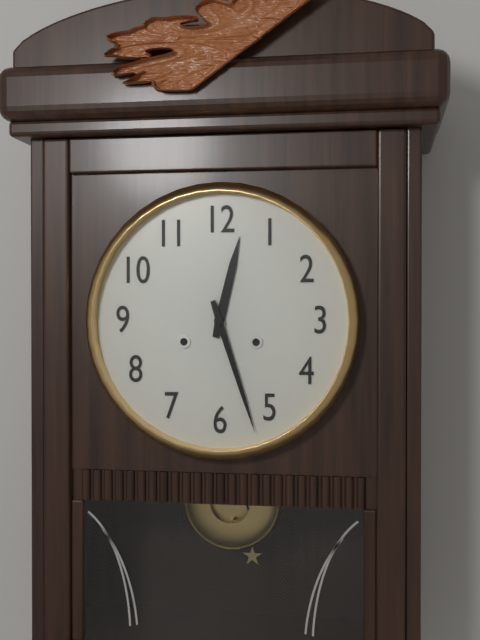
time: 12:27
